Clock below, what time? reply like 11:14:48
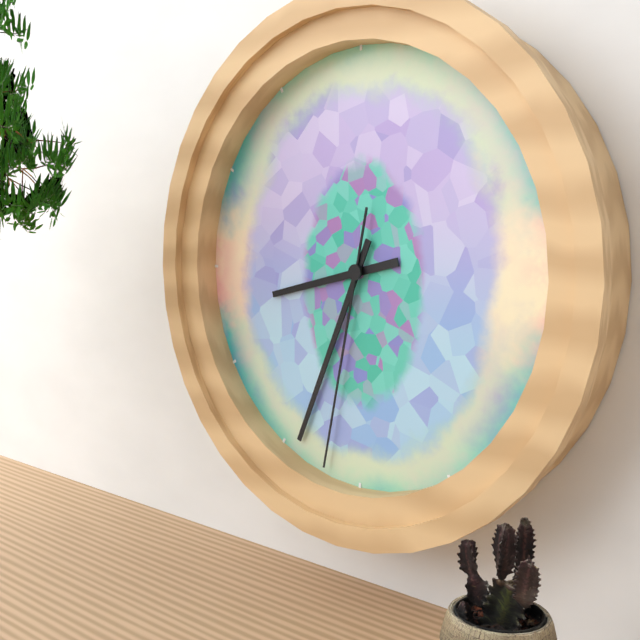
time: 8:34:32
